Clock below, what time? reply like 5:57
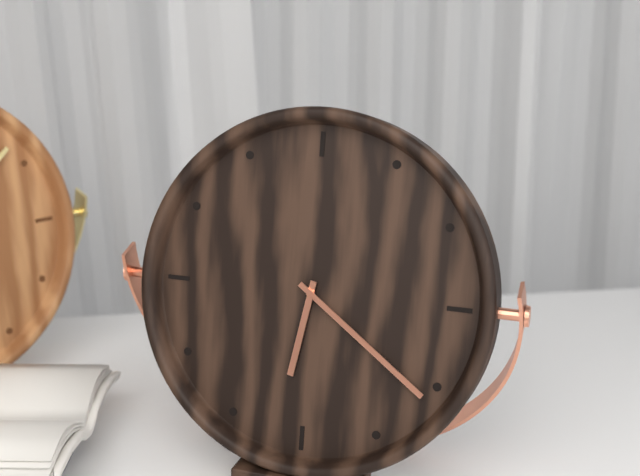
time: 6:21
